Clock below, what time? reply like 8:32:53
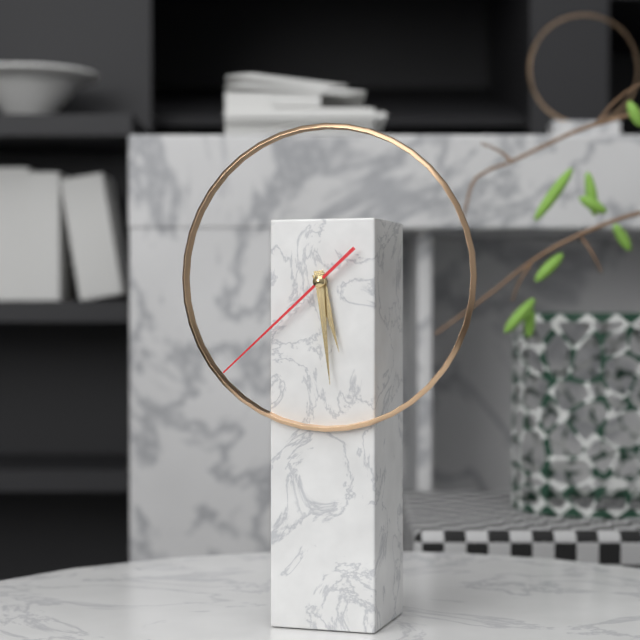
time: 5:29:38
